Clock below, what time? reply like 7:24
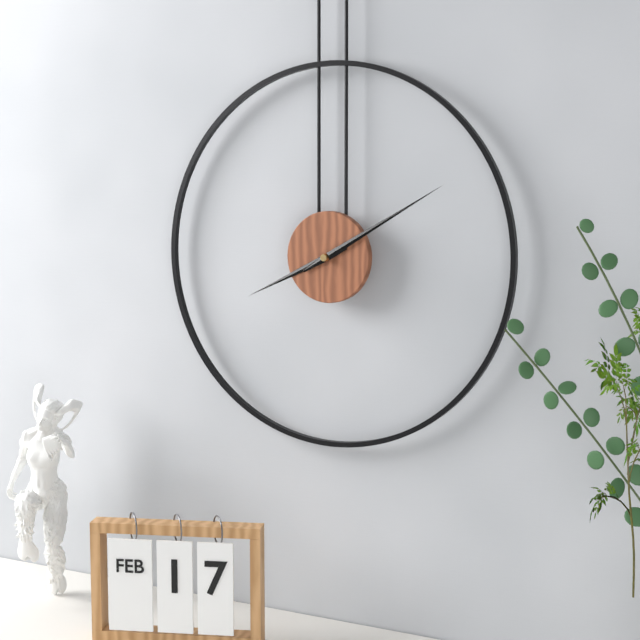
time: 8:10
